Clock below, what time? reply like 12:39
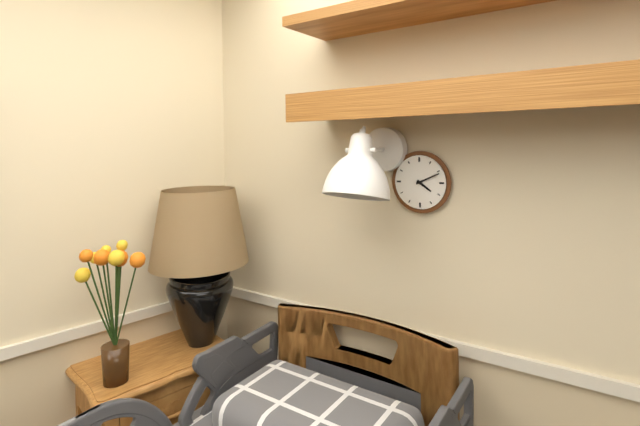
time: 4:11
